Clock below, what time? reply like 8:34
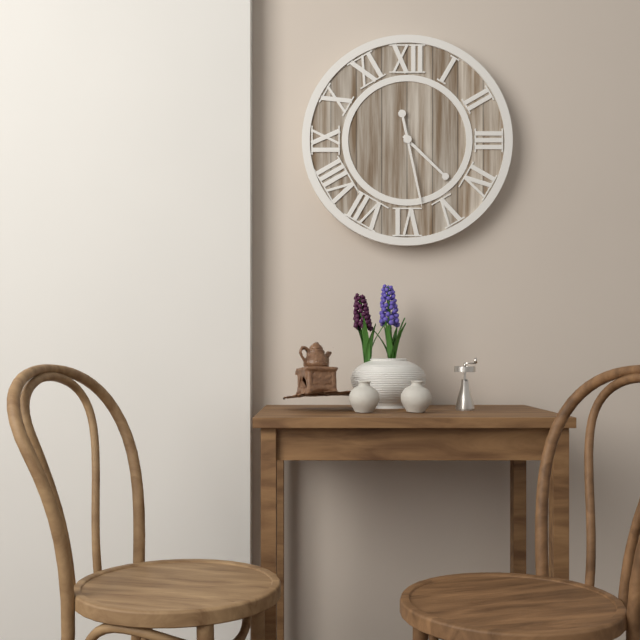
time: 4:28
